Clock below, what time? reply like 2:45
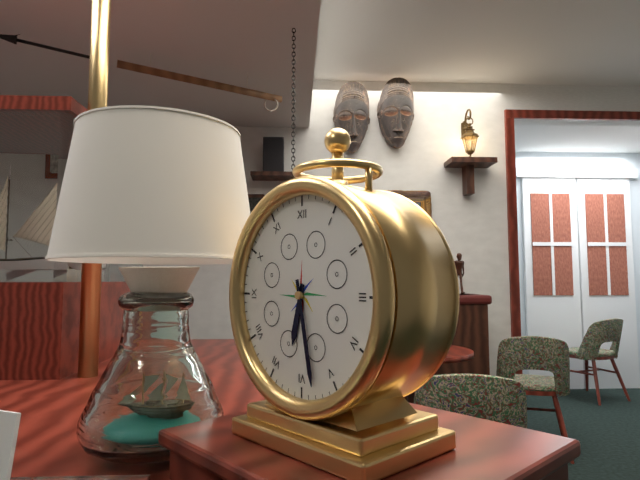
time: 6:28
